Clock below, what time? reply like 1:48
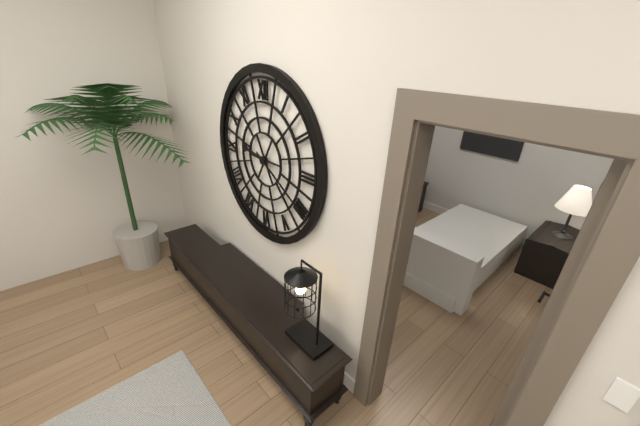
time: 9:20
